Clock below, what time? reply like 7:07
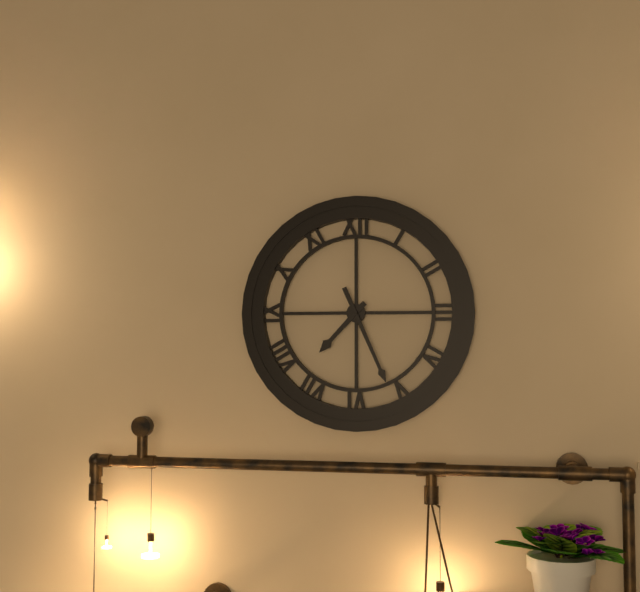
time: 7:26
